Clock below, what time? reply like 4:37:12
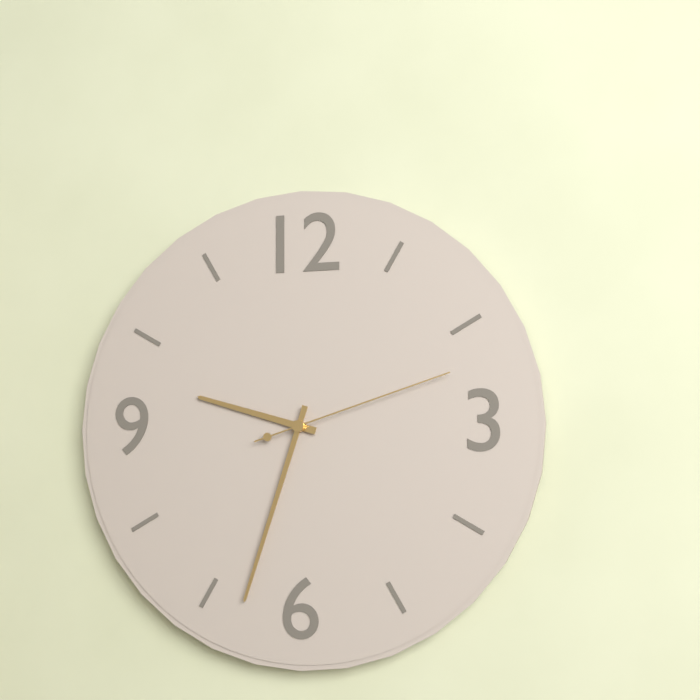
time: 9:33:12
